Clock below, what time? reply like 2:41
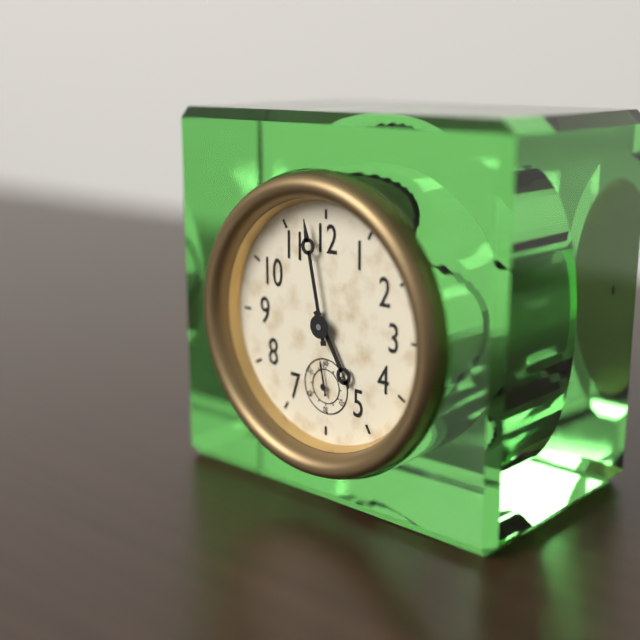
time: 4:58
